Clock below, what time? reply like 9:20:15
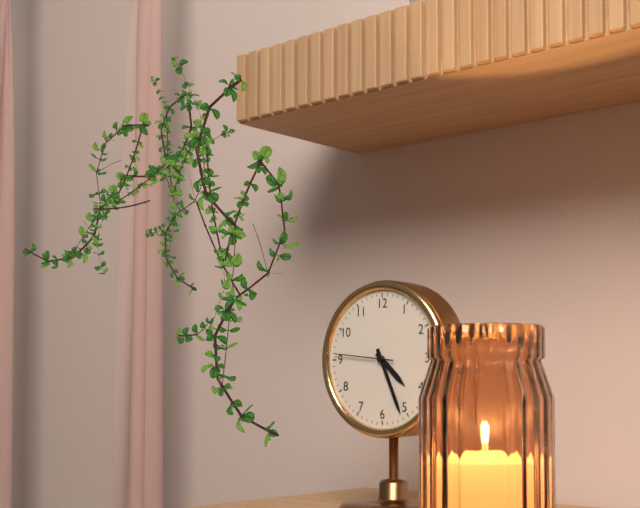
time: 4:26:46
